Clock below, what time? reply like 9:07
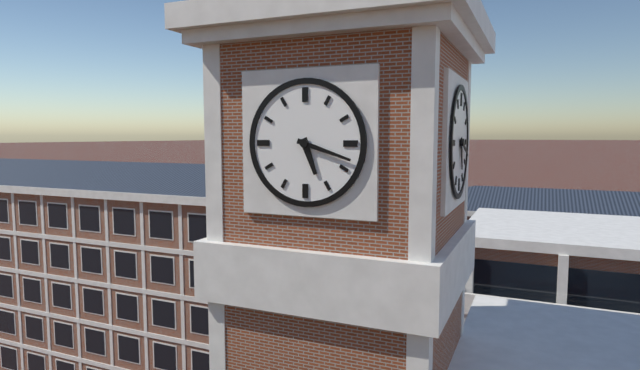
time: 5:18
